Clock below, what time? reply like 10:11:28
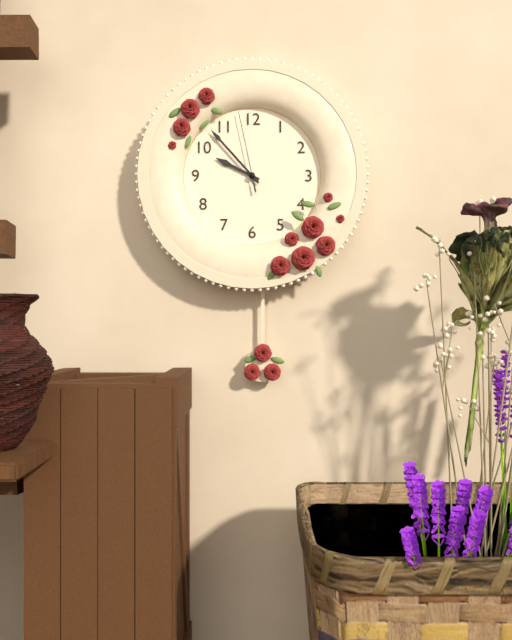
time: 9:53:58
